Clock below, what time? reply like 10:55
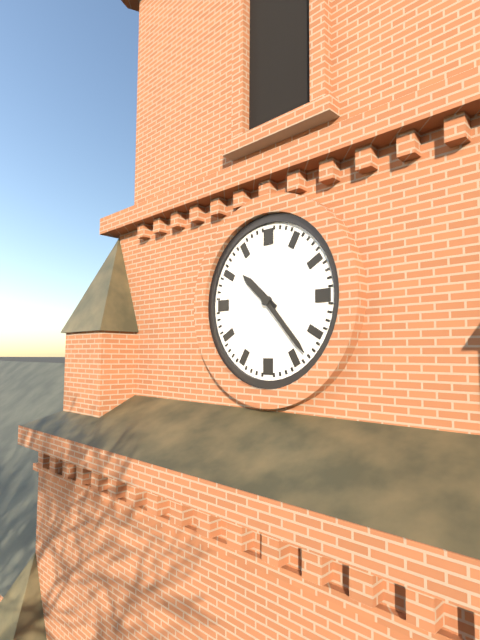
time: 10:23
